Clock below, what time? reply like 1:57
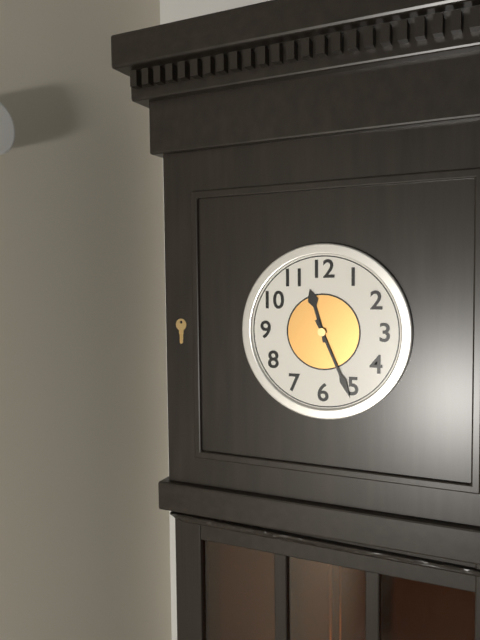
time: 11:26
